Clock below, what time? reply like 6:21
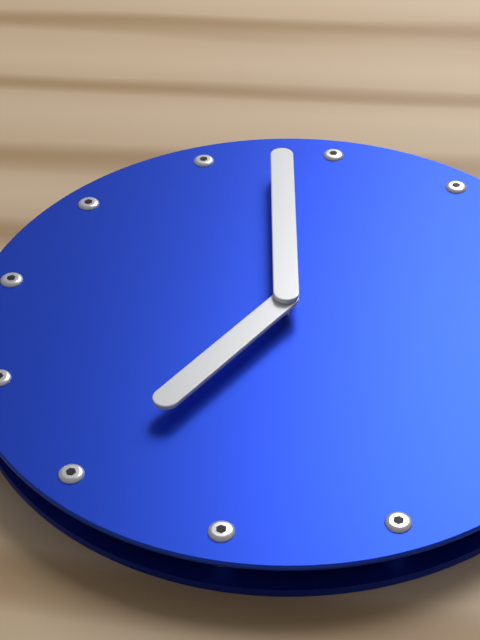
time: 5:53
